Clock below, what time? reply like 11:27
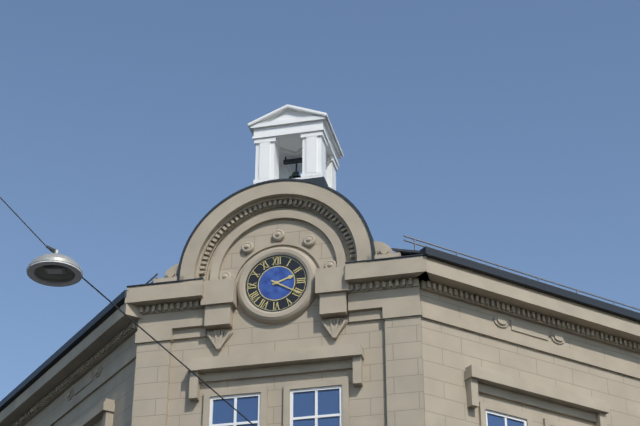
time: 2:20
